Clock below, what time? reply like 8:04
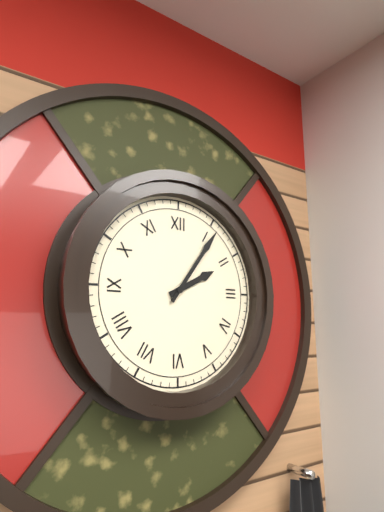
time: 2:06
